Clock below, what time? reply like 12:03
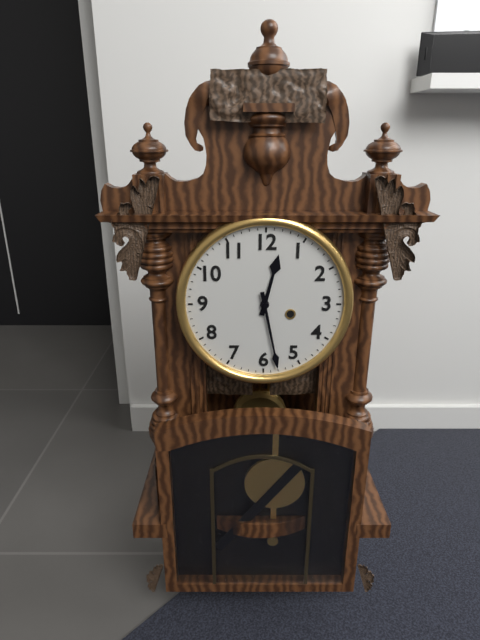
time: 12:28
